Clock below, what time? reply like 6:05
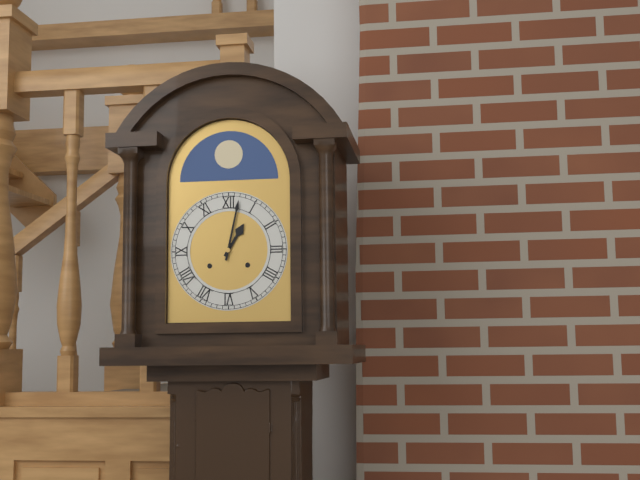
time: 1:02
